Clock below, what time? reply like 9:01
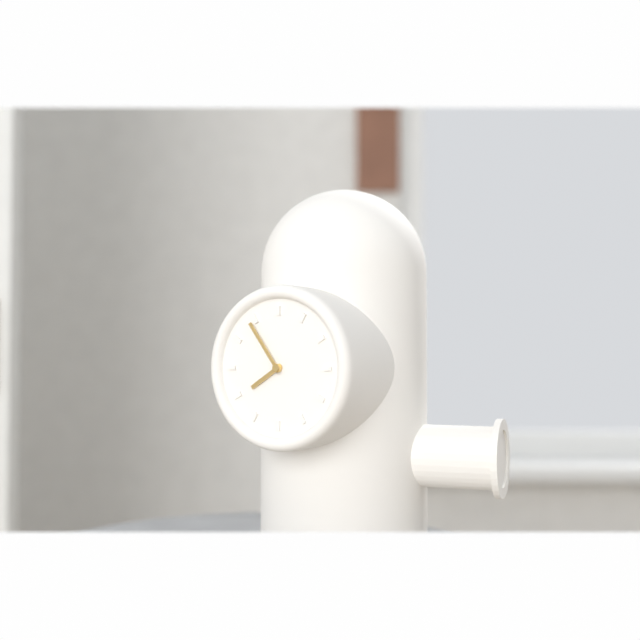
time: 7:54
